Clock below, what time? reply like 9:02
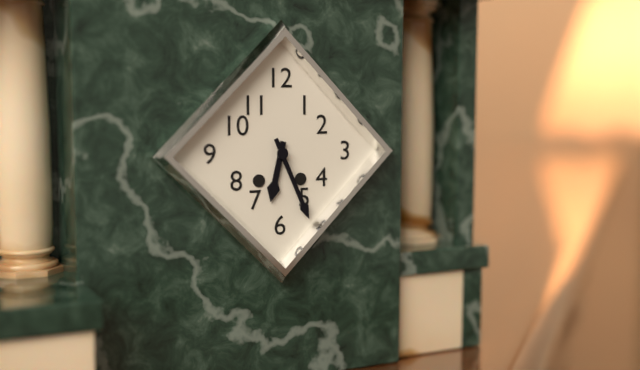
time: 6:26
